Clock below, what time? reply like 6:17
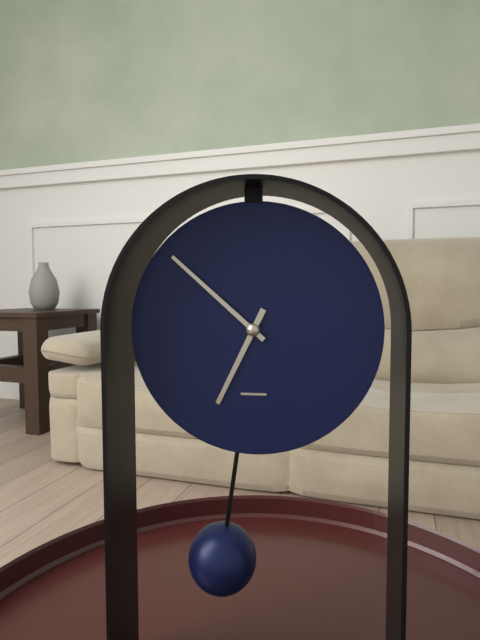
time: 6:52
